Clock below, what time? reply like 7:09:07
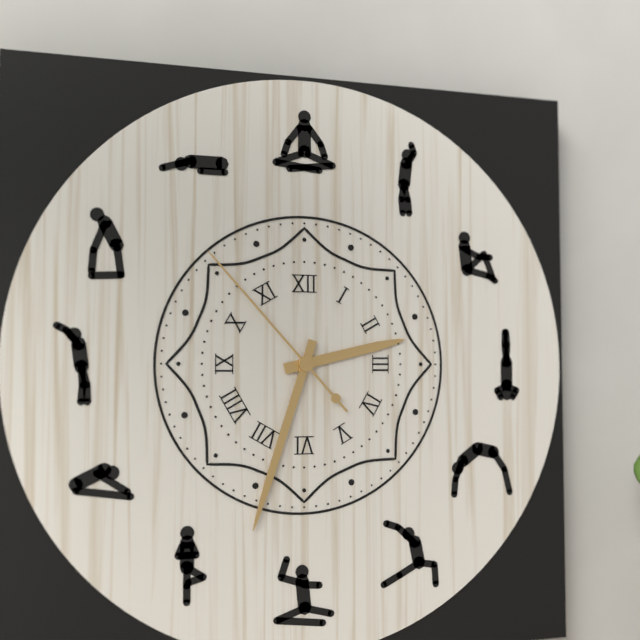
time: 2:33:53
